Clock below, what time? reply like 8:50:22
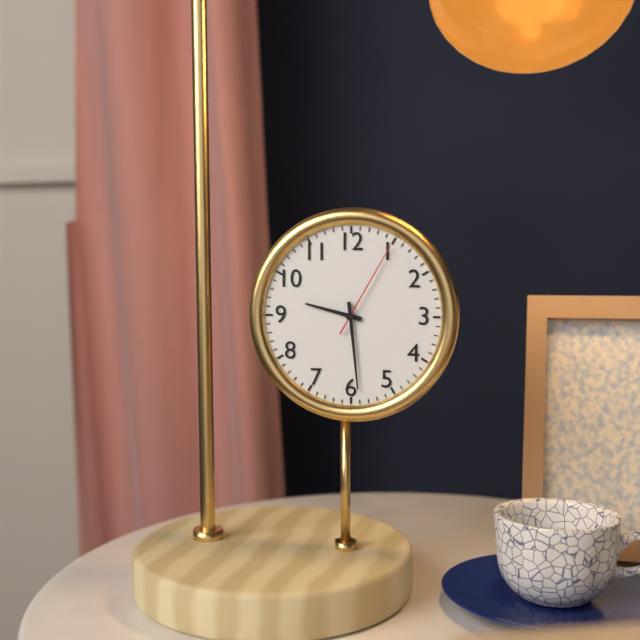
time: 9:29:05
